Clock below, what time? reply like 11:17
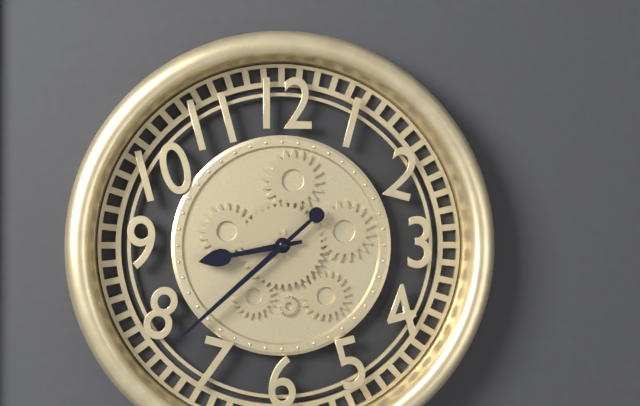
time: 8:38
